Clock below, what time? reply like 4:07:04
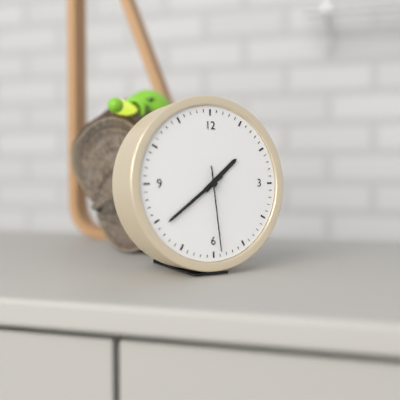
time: 1:39:29
